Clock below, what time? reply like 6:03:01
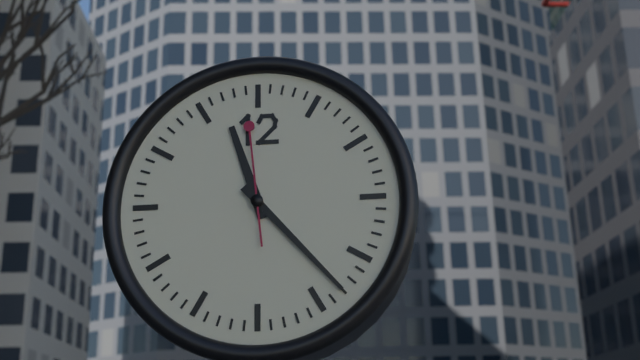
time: 11:23:59
